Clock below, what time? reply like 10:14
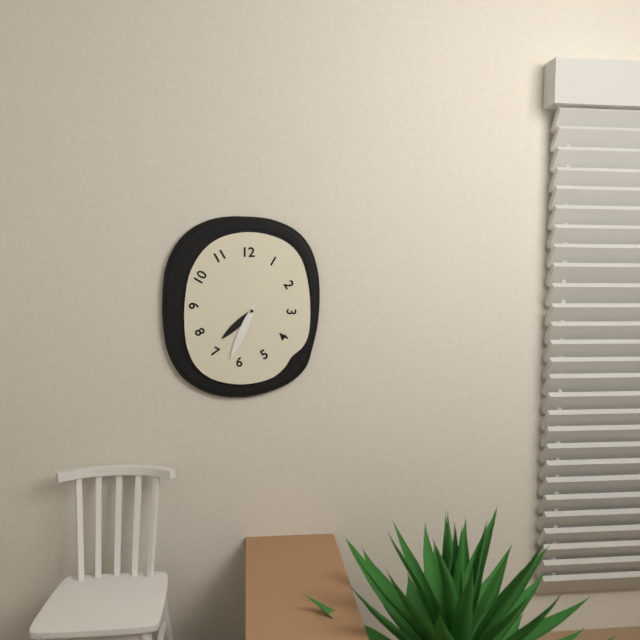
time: 7:34
